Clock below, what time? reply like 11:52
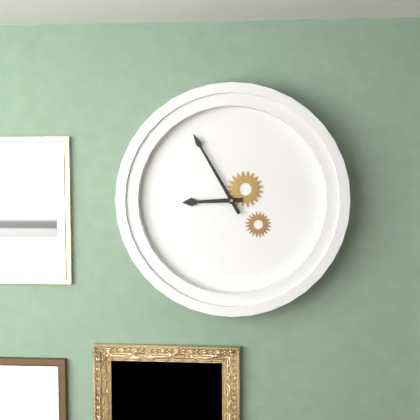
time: 8:55
